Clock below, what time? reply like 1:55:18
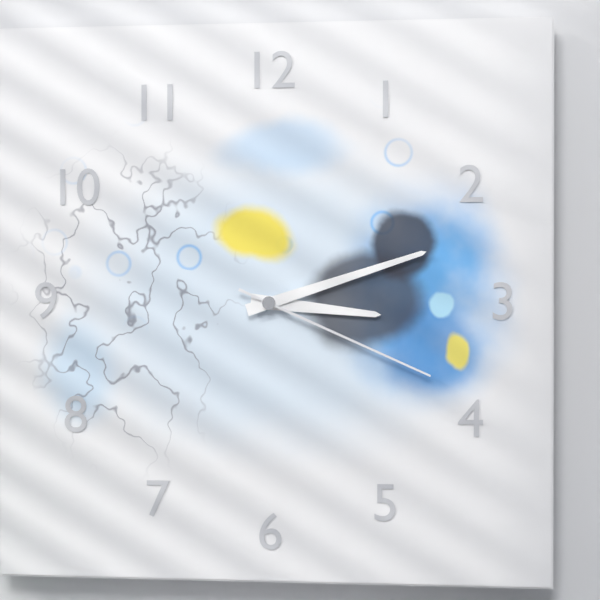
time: 3:12:19
